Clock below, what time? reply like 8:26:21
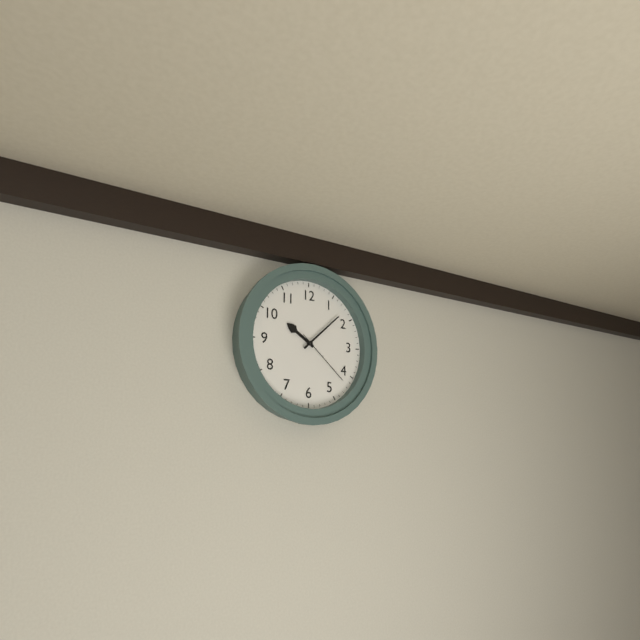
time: 10:08:22
